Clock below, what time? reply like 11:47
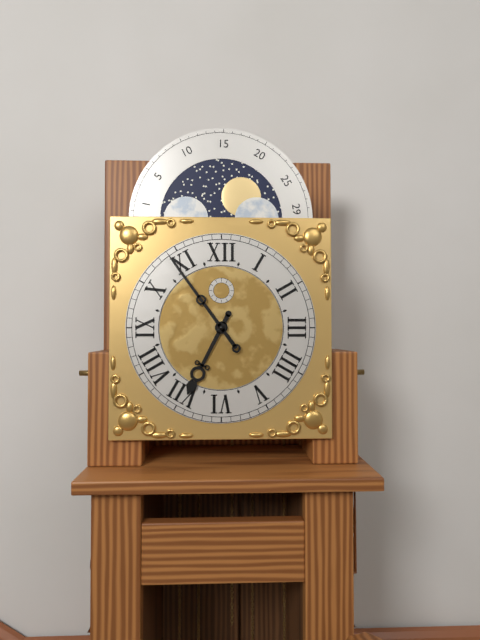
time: 6:54
